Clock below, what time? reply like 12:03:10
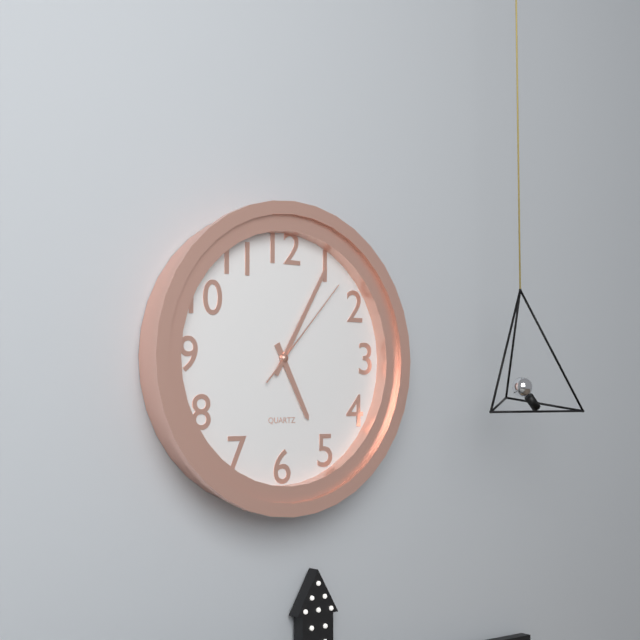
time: 5:05:07
